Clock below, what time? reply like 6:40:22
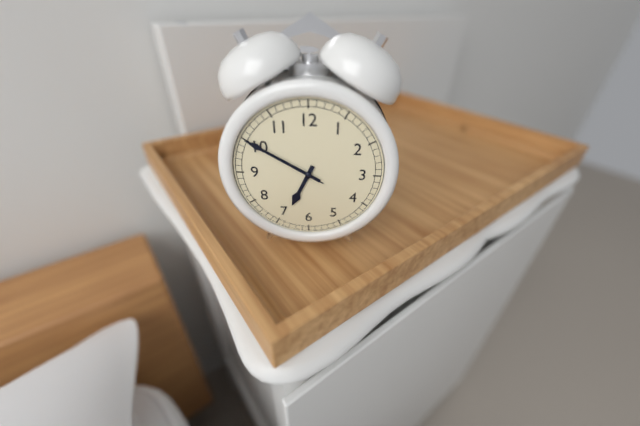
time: 6:50:50
